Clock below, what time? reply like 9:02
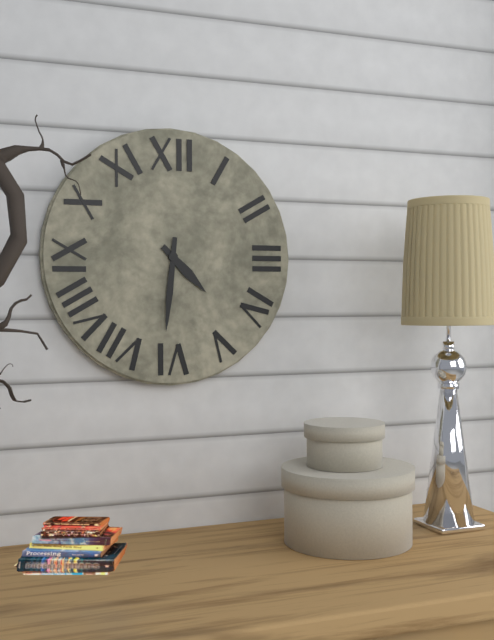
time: 4:31
